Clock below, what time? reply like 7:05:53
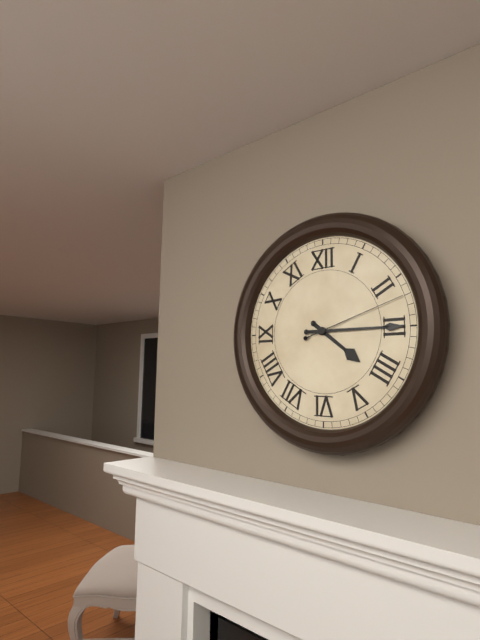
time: 4:15:12
